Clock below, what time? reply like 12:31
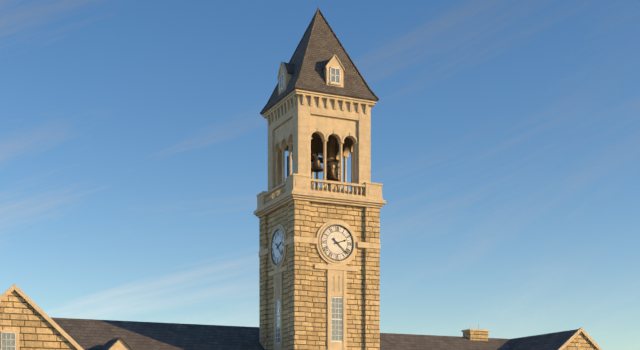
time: 2:22
